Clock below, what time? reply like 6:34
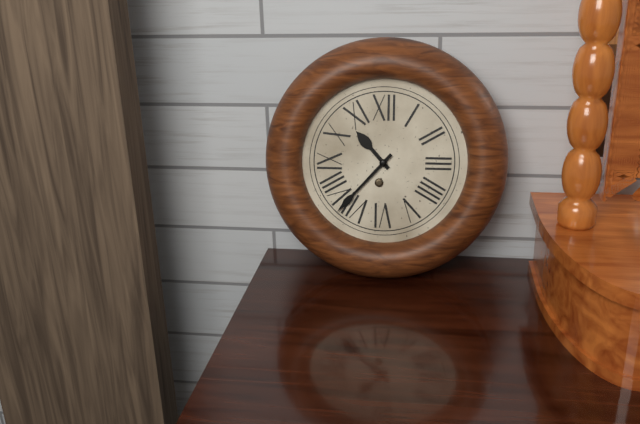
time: 10:37
